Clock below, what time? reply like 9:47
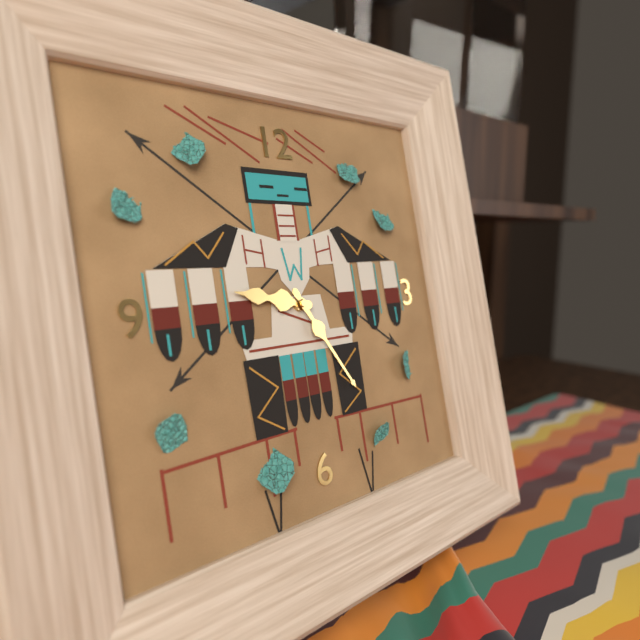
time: 9:25
